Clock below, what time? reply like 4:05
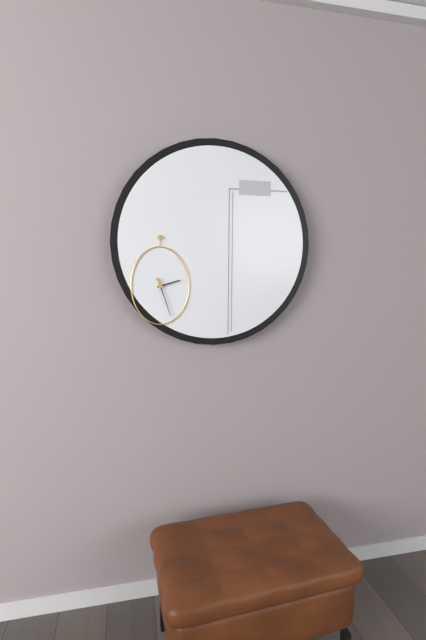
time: 2:27
